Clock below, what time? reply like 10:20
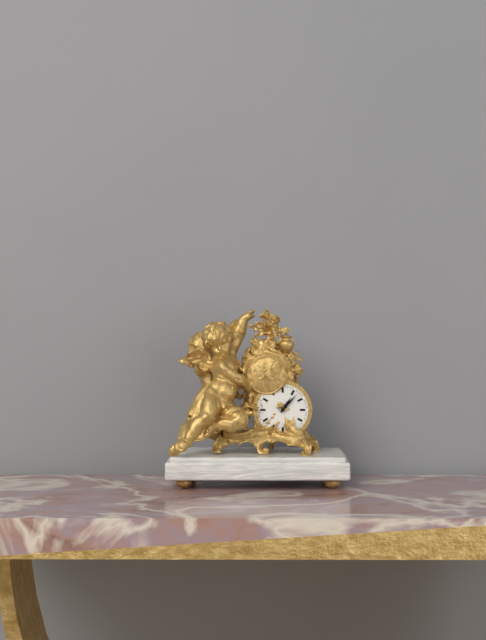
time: 1:07
